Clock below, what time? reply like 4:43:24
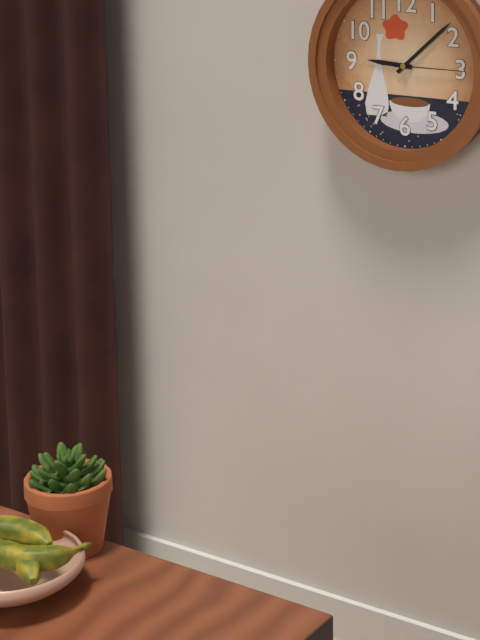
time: 9:08:15
